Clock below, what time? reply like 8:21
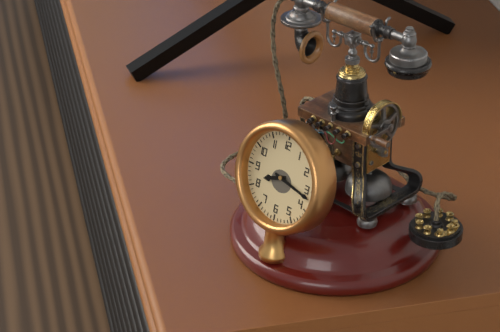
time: 8:17
